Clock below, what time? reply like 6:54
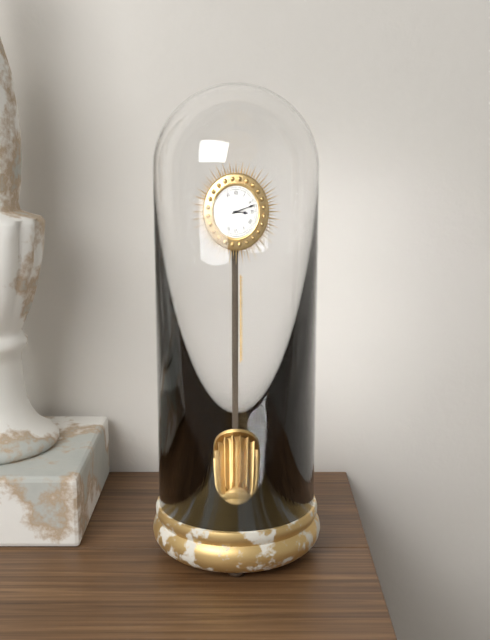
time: 3:12
